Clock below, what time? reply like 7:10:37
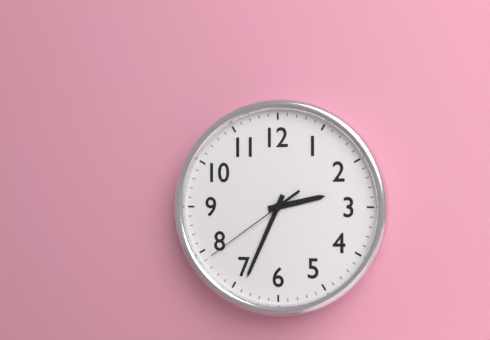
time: 2:34:39
